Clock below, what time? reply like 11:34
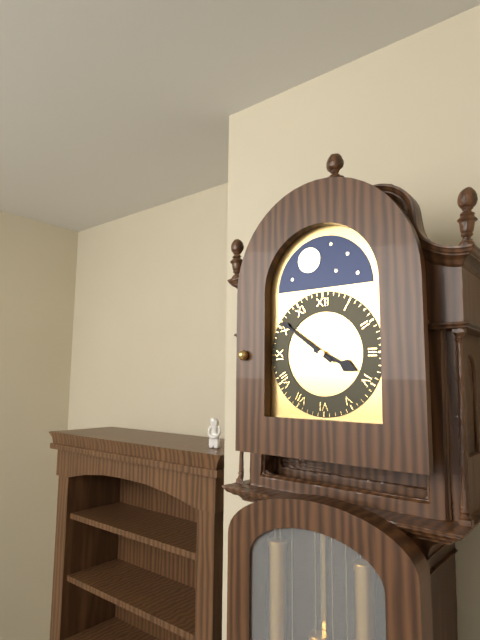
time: 3:51
